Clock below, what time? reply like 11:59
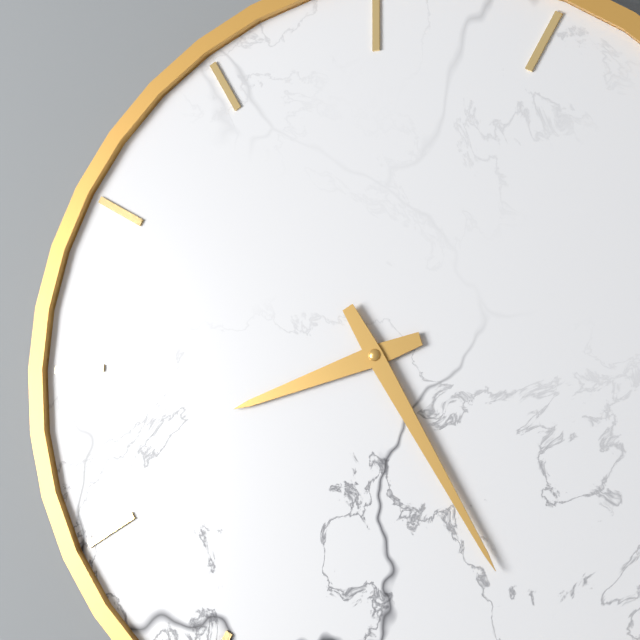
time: 8:25
